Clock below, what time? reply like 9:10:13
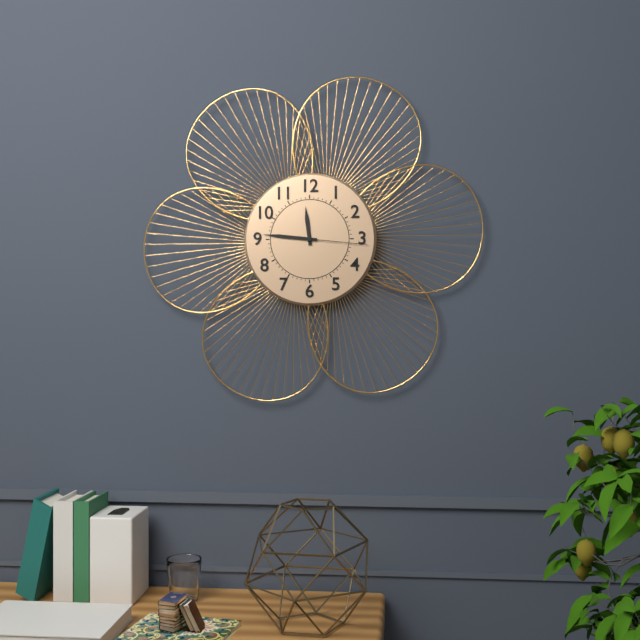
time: 11:46:16
